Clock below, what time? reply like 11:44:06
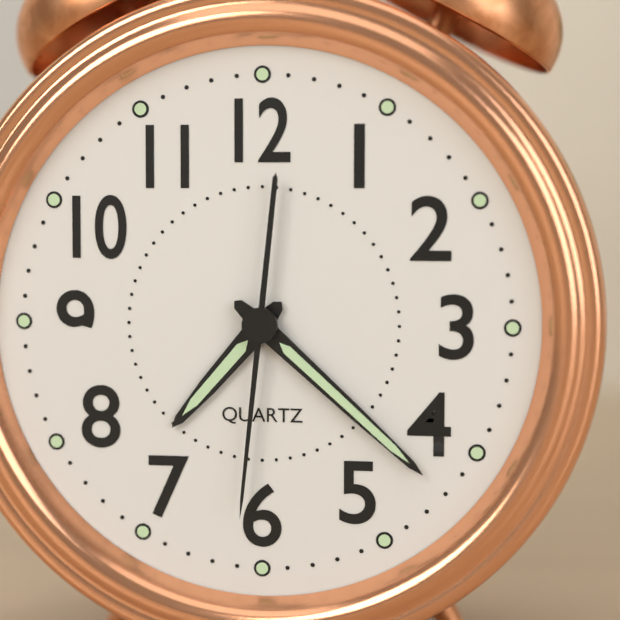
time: 7:22:31
